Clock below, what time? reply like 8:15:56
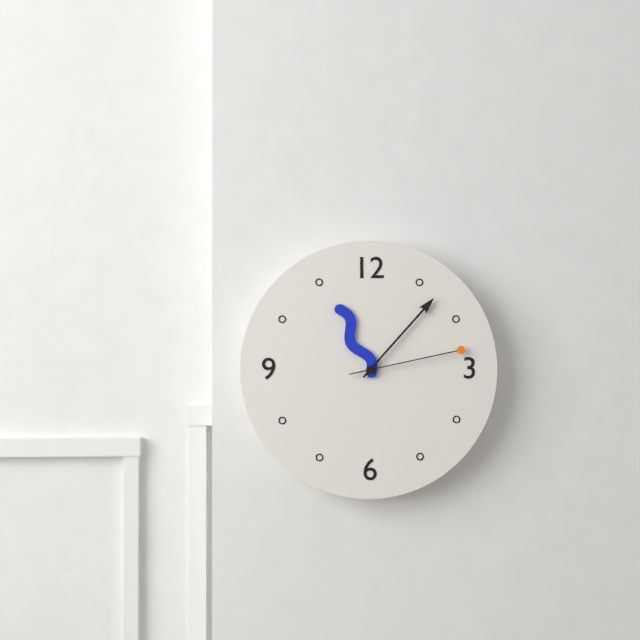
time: 11:07:13
